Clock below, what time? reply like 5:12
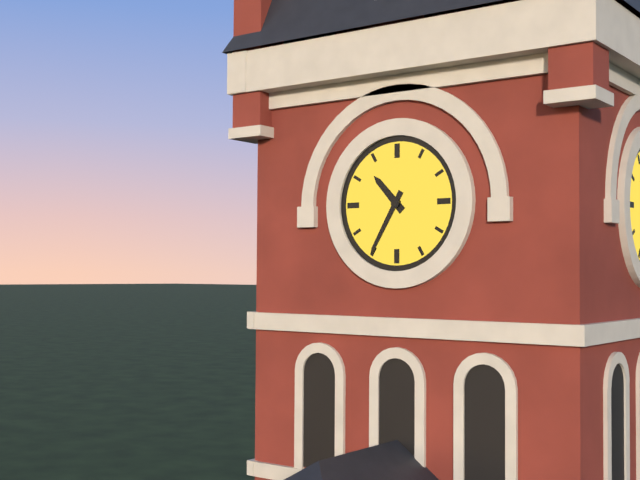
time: 10:35
